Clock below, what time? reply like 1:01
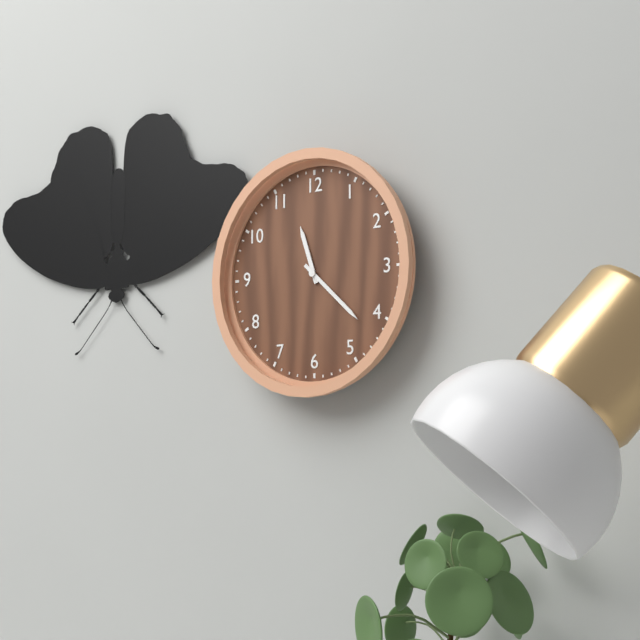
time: 11:22
